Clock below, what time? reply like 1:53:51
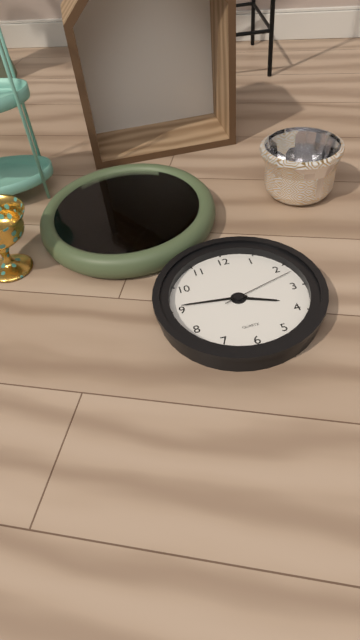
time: 3:46:12
